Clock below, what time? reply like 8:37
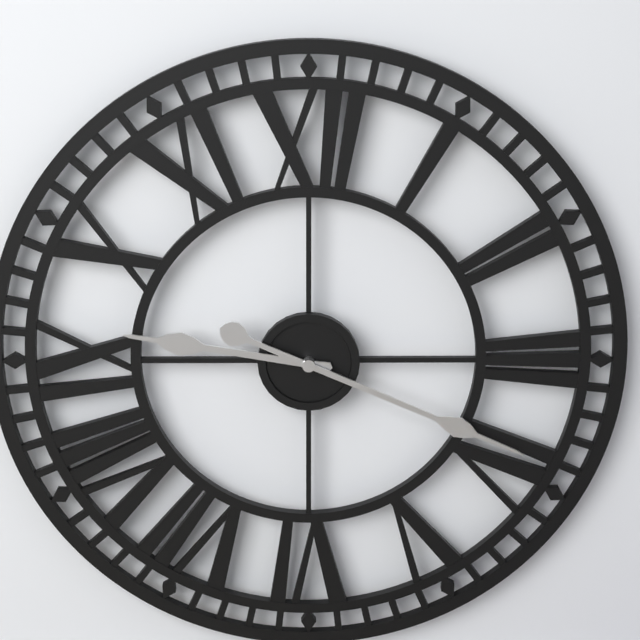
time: 9:19
